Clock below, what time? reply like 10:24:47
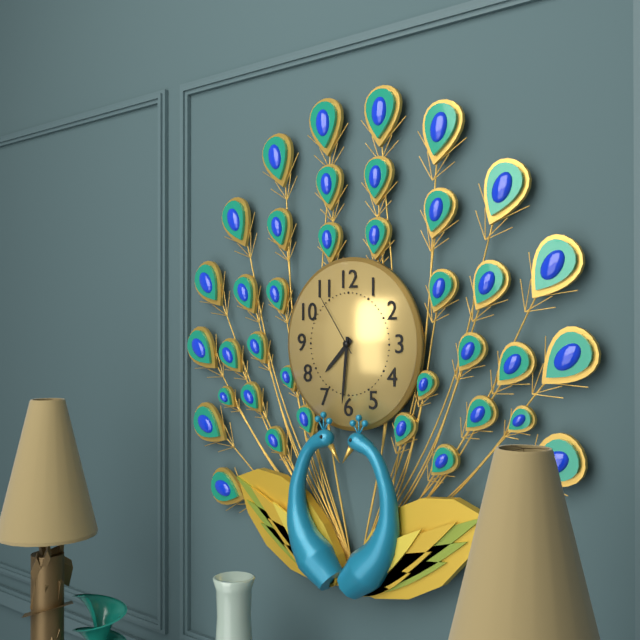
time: 7:31:54
